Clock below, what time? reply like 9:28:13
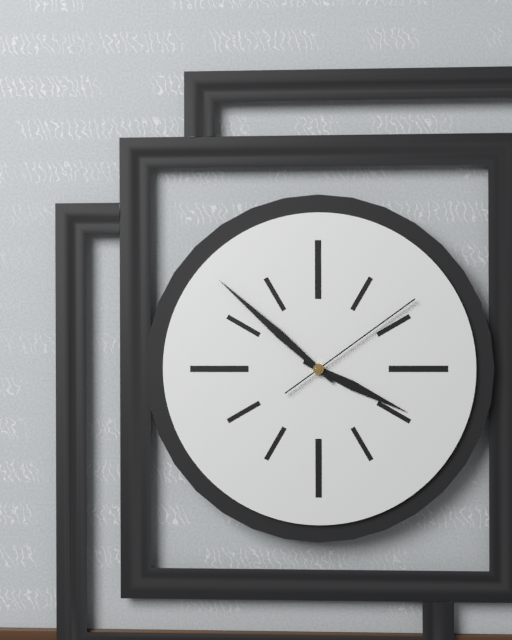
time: 3:52:09
